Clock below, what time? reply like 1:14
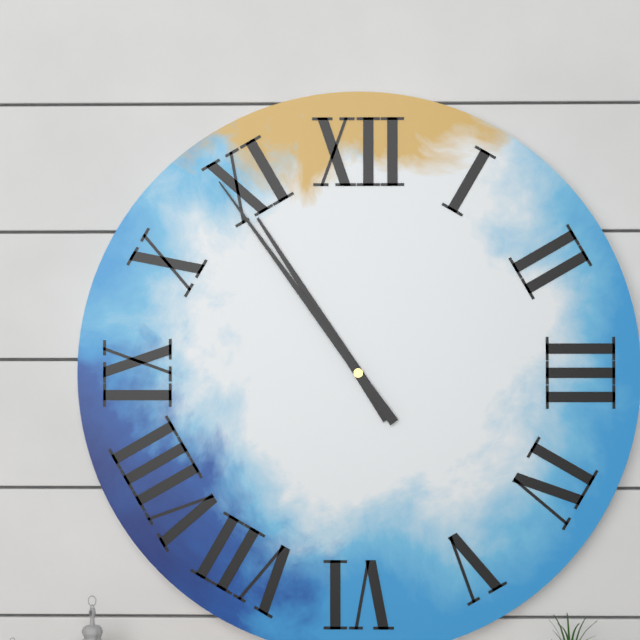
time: 10:54
